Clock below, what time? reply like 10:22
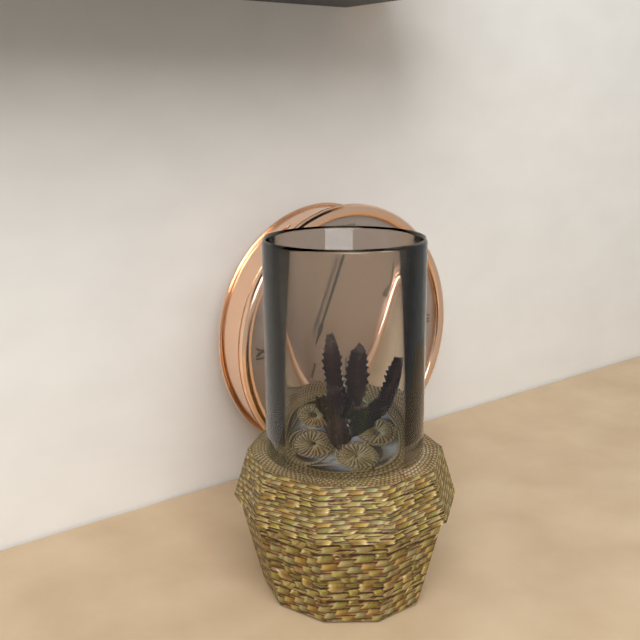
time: 10:36
